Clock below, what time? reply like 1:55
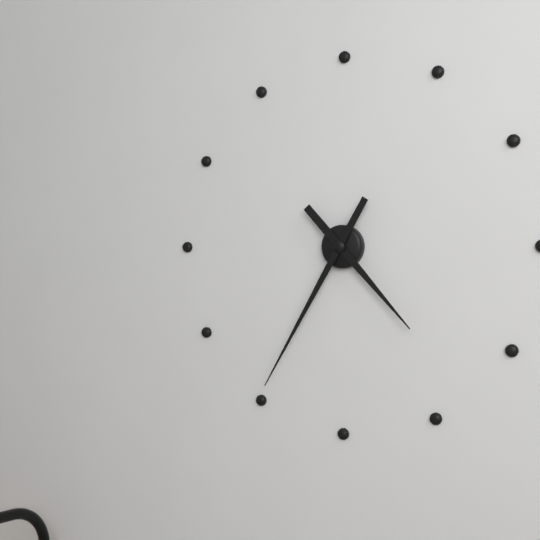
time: 4:35
